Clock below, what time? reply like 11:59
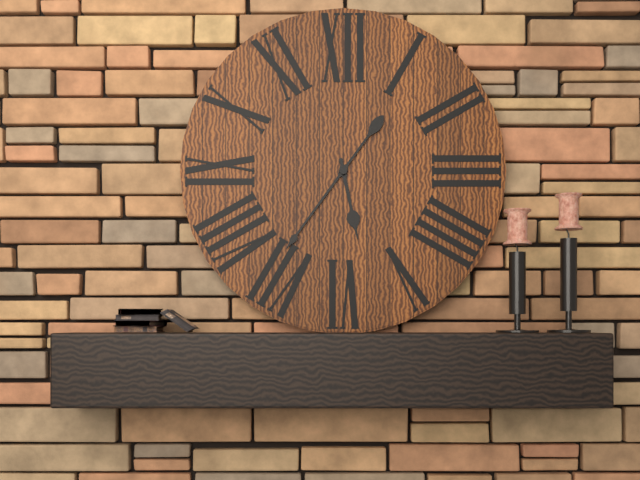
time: 5:36
